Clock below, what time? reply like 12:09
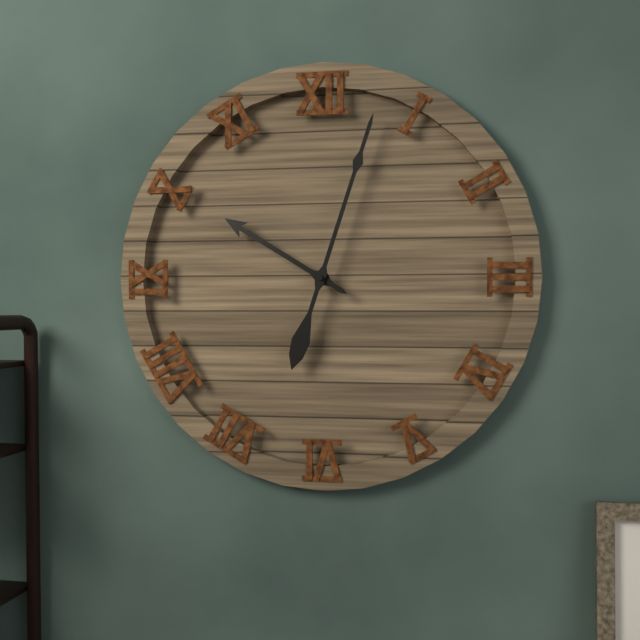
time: 10:03
